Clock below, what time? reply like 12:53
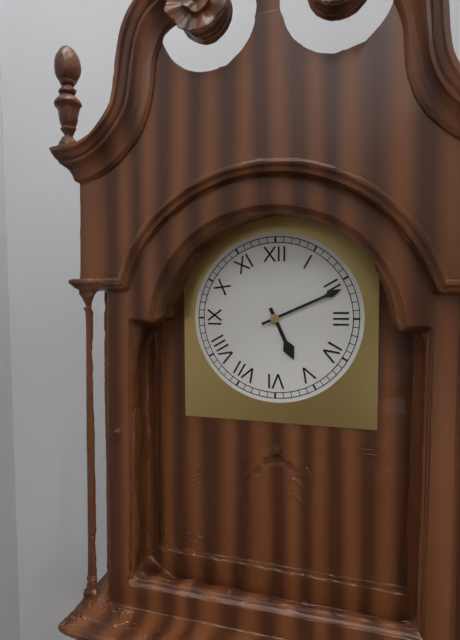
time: 5:11
